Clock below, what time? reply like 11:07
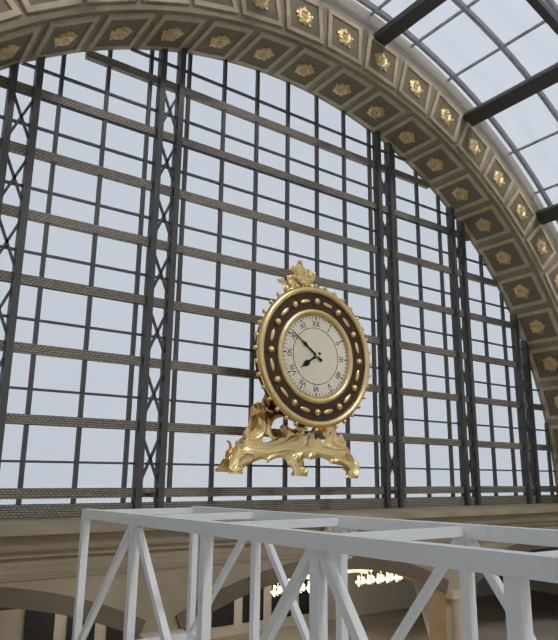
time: 7:51
